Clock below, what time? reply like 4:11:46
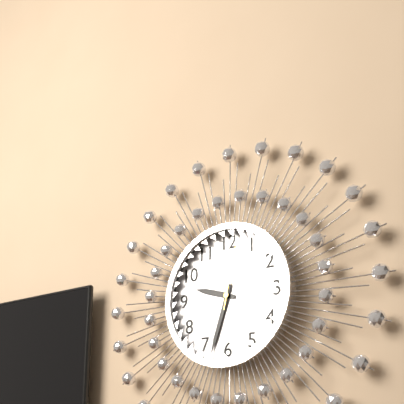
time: 9:33:02
